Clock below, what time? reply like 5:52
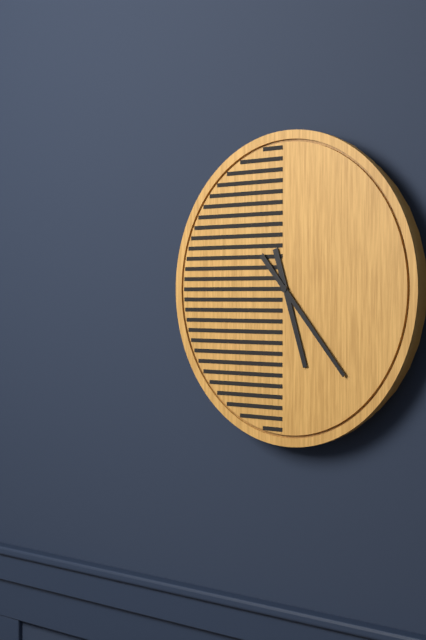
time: 5:23
